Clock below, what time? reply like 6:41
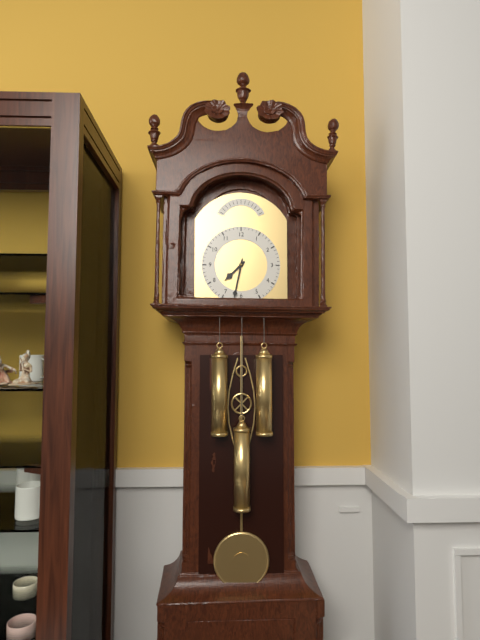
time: 7:32
